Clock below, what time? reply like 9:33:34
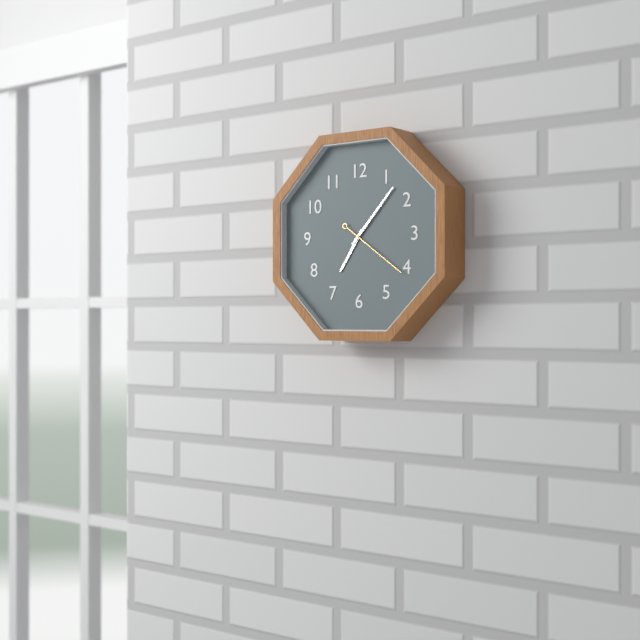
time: 7:07:21
